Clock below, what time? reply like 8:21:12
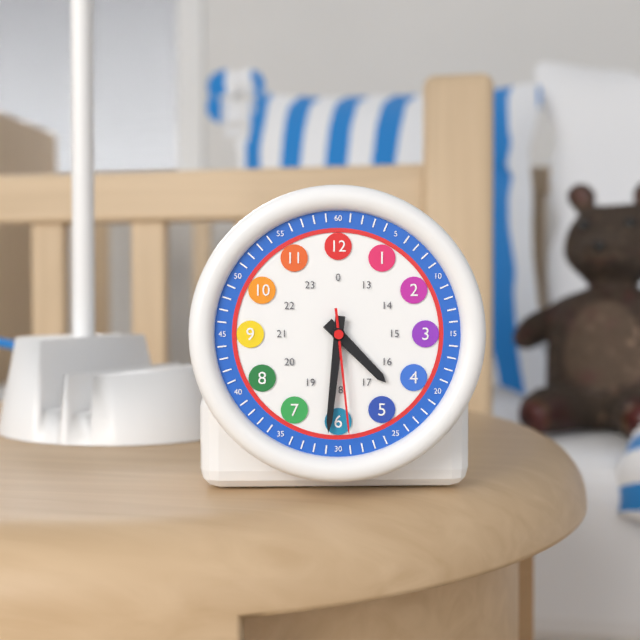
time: 4:31:29
